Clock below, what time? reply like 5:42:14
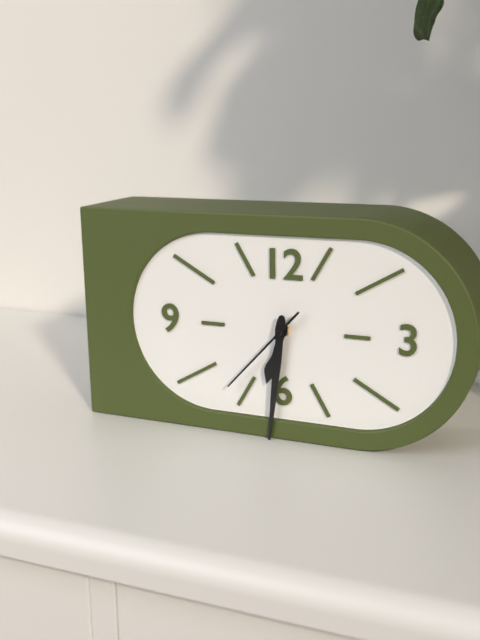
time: 6:31:37
